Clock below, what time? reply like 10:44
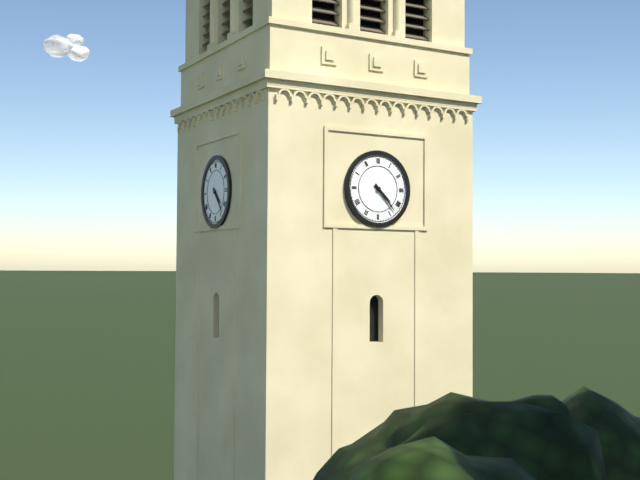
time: 4:23
